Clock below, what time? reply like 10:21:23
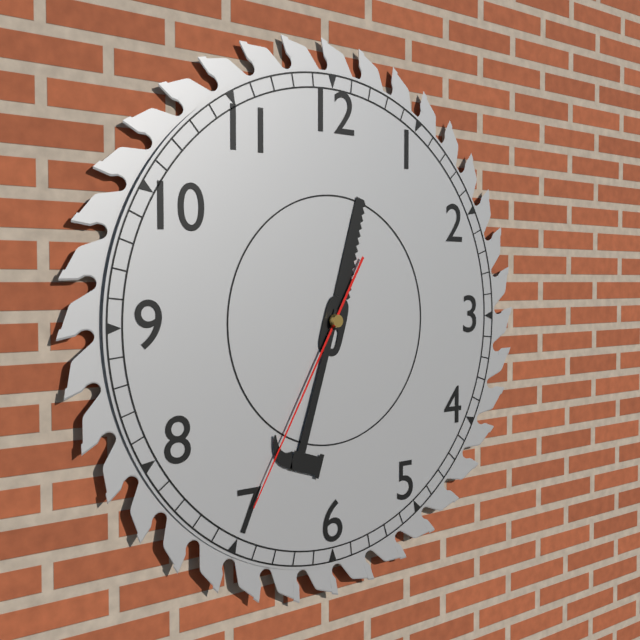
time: 12:33:35
